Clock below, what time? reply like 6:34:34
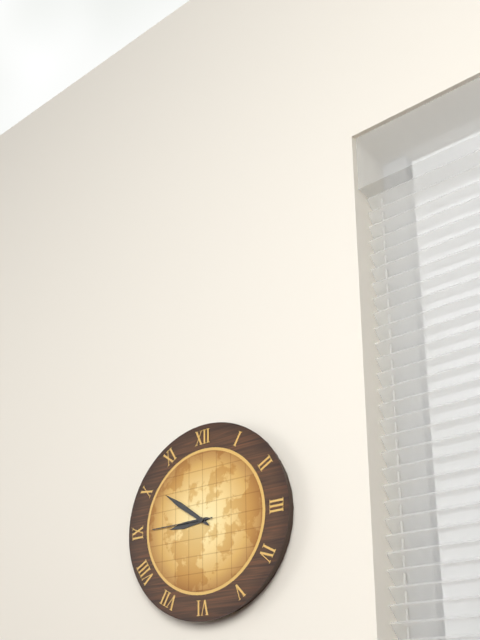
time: 8:51:45
